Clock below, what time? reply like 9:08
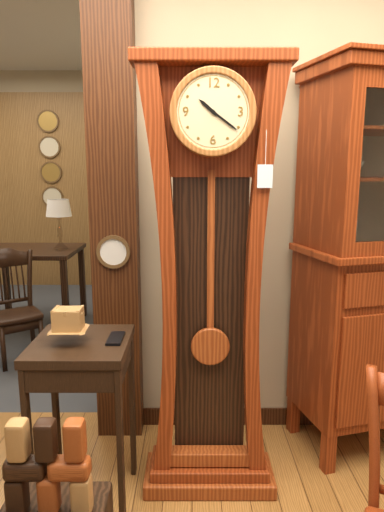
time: 10:21
